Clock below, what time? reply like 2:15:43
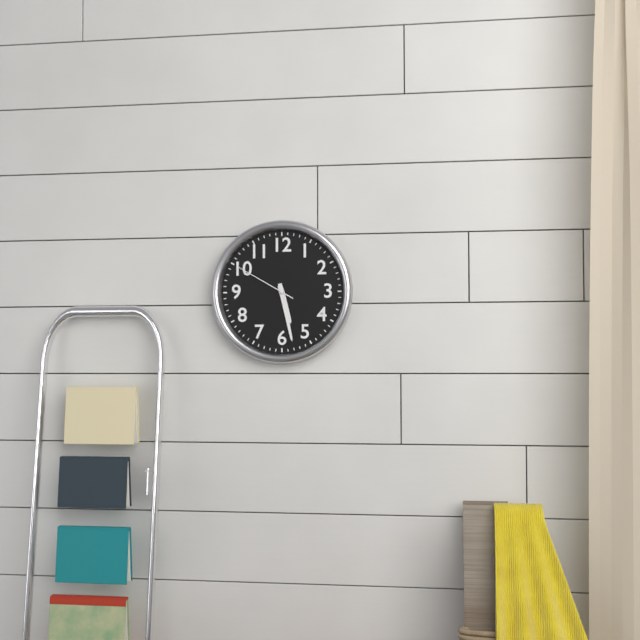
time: 5:28:50
